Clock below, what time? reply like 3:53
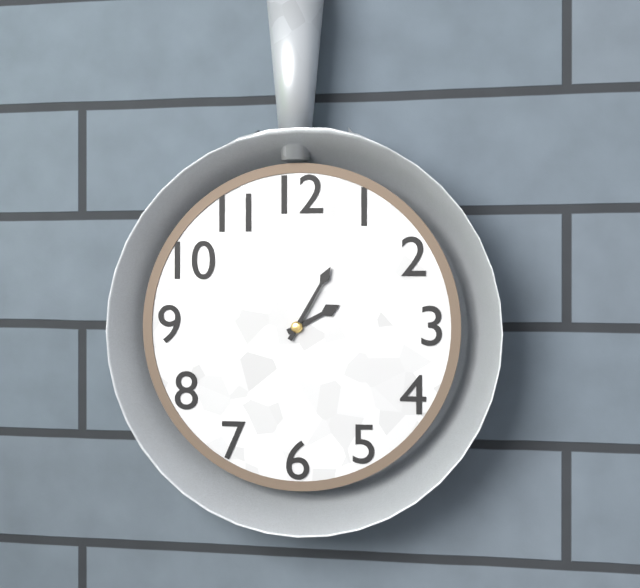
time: 2:05
